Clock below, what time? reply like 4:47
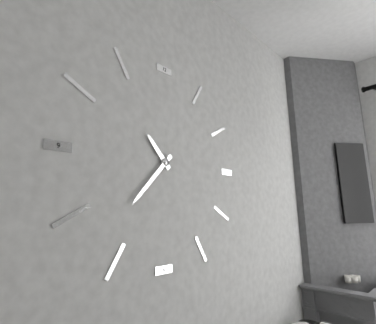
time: 10:37
